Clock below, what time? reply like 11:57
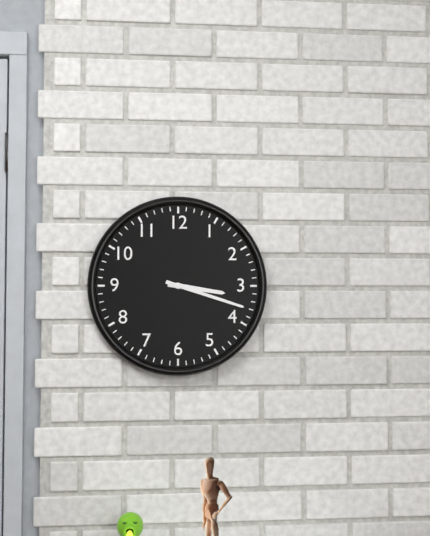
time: 3:18
